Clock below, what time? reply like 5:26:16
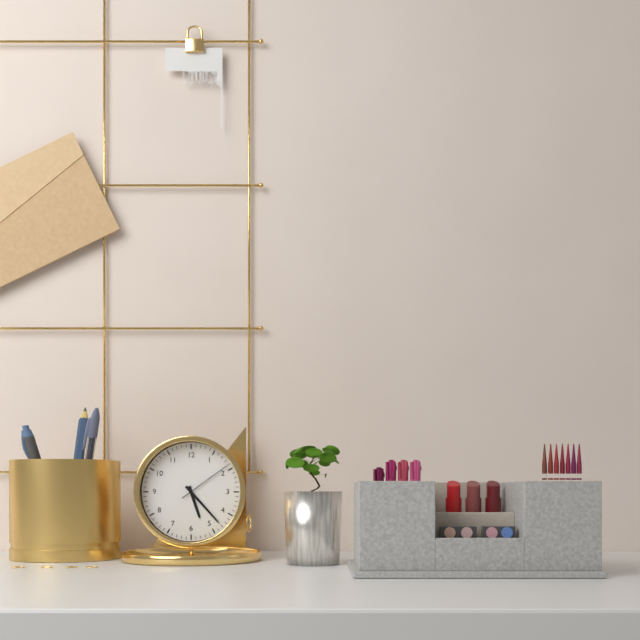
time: 5:23:09
